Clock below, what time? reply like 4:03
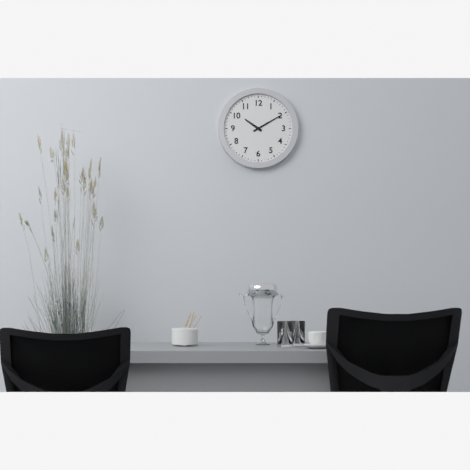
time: 10:10
